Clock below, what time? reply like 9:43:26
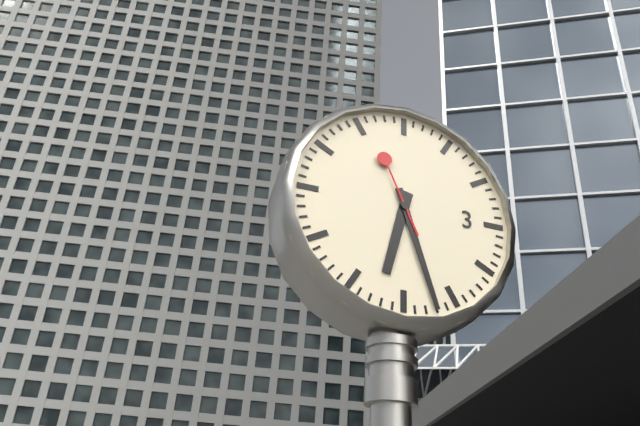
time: 6:27:56
